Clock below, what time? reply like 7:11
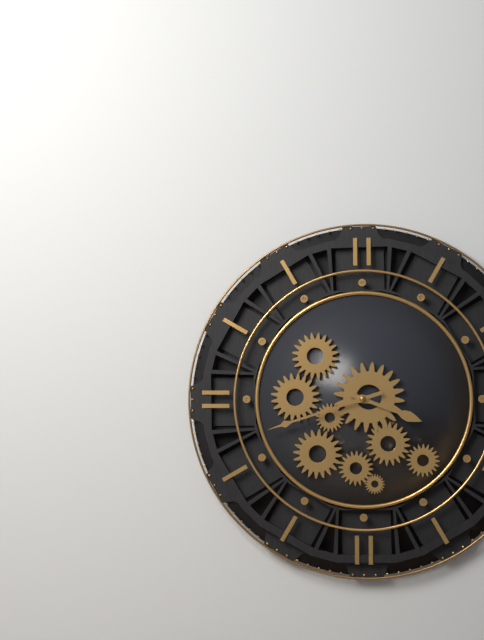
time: 3:42
